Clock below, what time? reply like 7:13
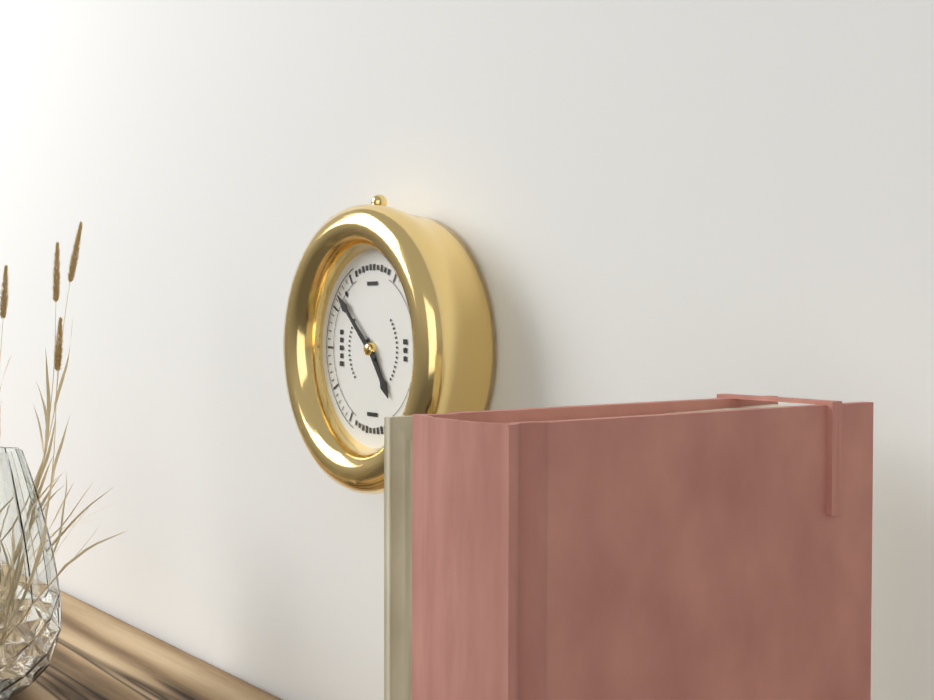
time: 4:52
